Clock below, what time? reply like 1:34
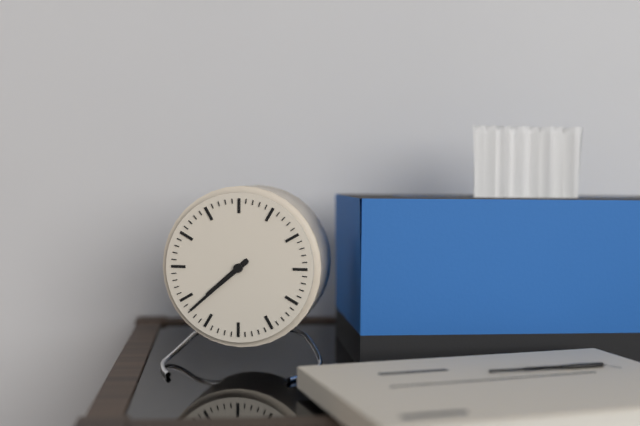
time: 7:38
